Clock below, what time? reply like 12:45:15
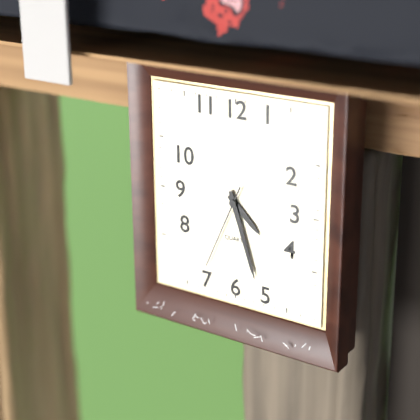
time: 4:27:34
